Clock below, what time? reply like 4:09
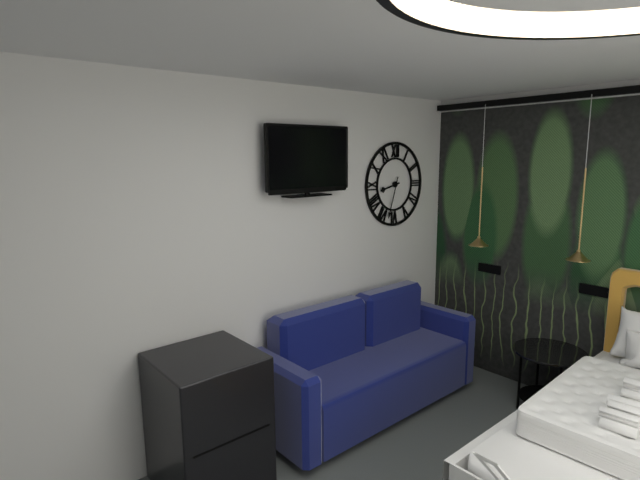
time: 8:33
